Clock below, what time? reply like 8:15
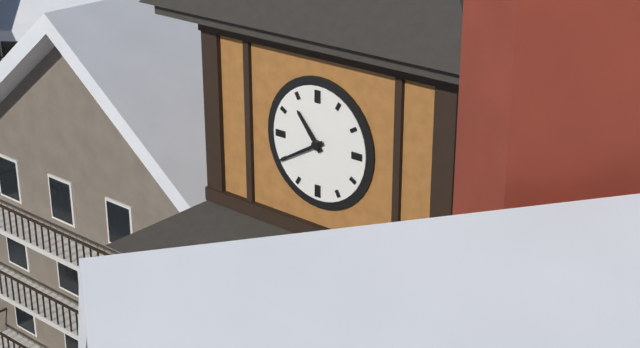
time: 10:40
